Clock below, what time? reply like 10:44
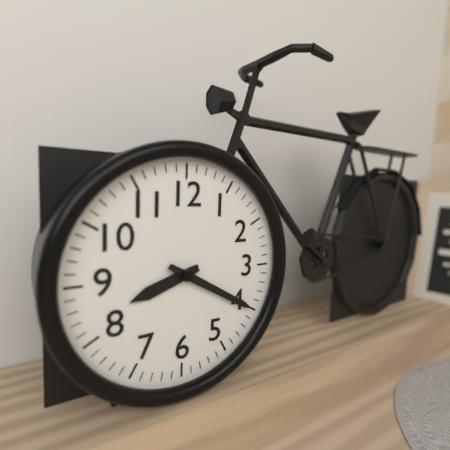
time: 8:20
